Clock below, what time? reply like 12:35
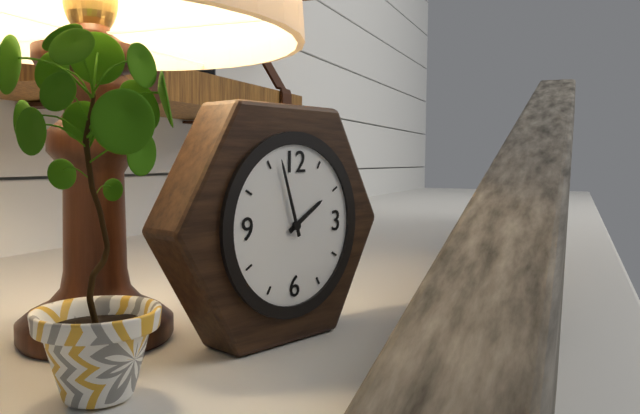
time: 1:57
